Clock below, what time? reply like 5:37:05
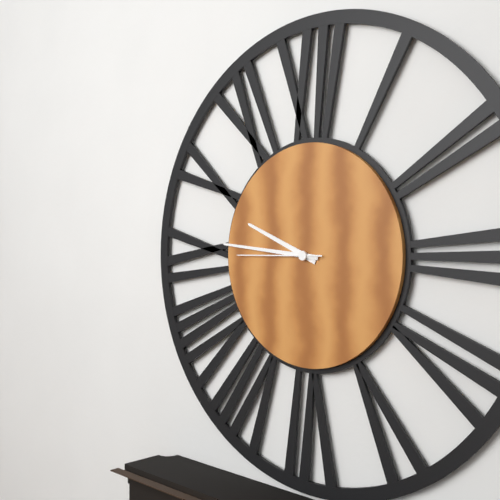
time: 9:46:45
